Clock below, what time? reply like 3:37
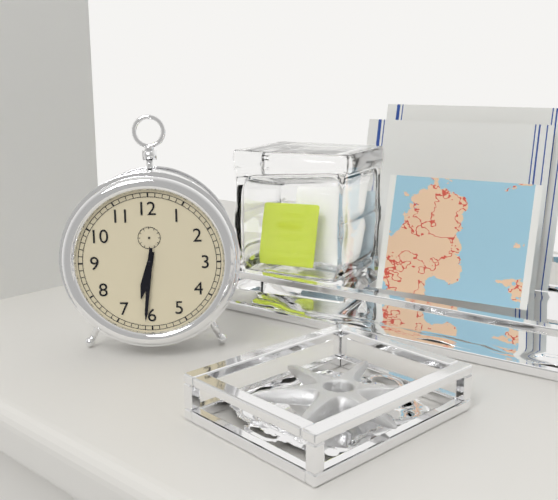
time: 6:31
